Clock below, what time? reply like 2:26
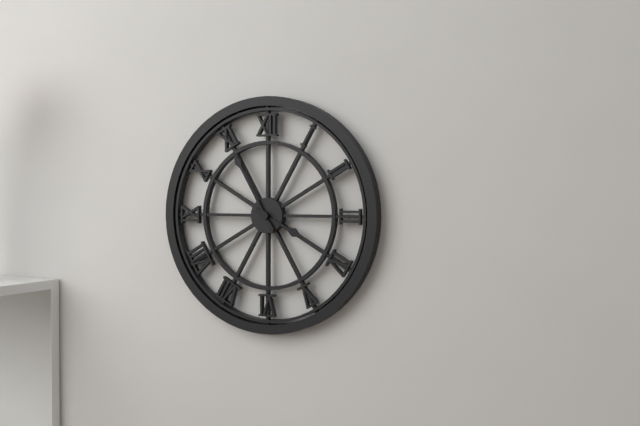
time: 3:55
